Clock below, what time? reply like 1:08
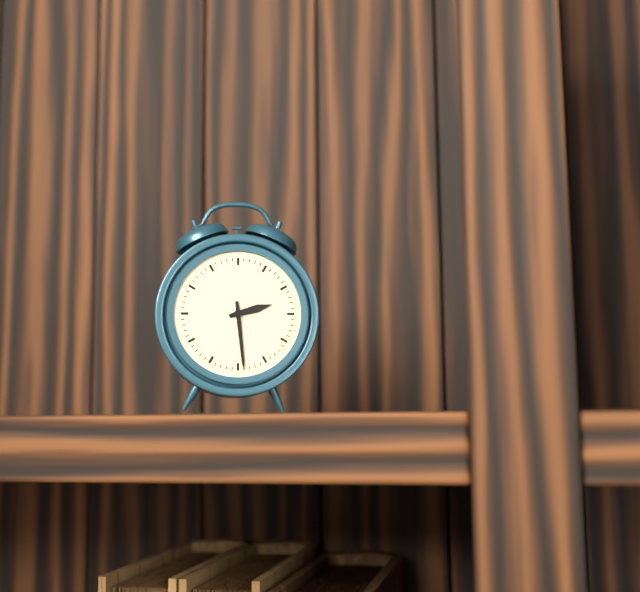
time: 2:29
